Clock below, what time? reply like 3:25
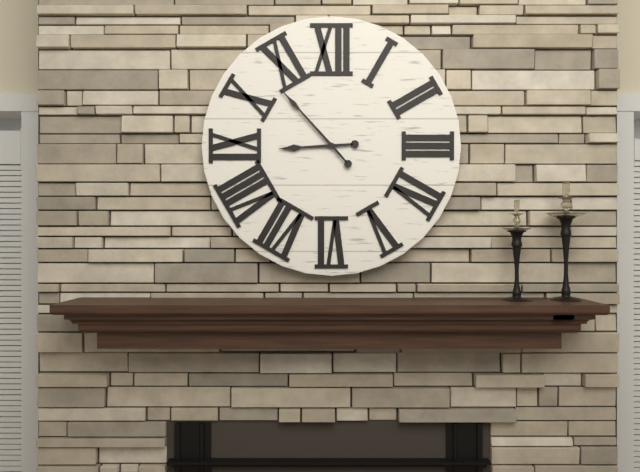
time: 8:53
